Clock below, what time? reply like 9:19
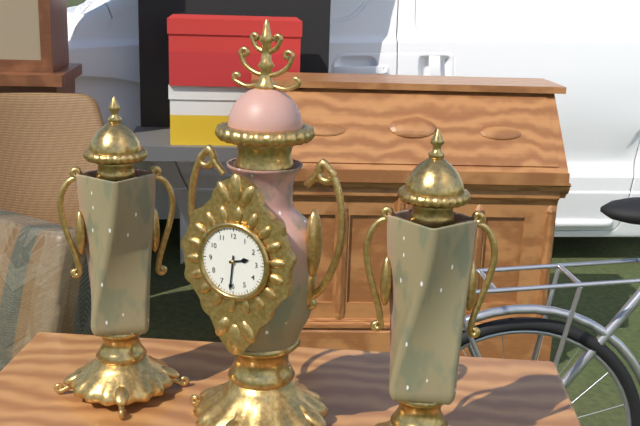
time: 2:31
